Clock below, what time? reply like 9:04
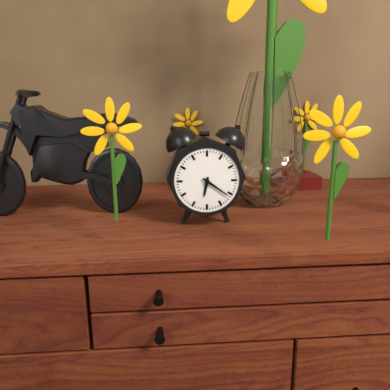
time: 6:21
